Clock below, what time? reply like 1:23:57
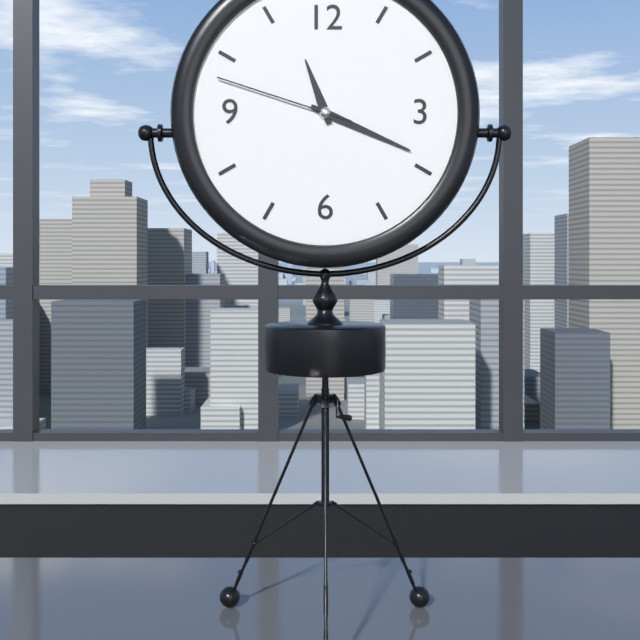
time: 11:19:48
